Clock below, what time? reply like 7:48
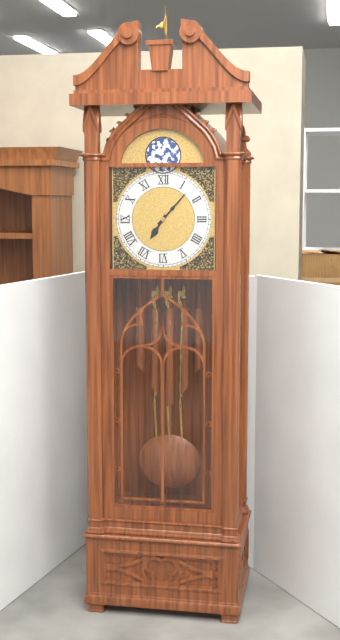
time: 7:07
